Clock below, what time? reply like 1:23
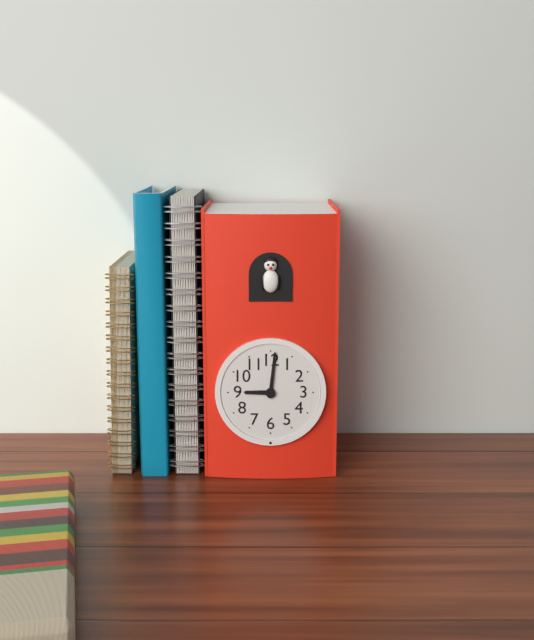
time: 9:01
